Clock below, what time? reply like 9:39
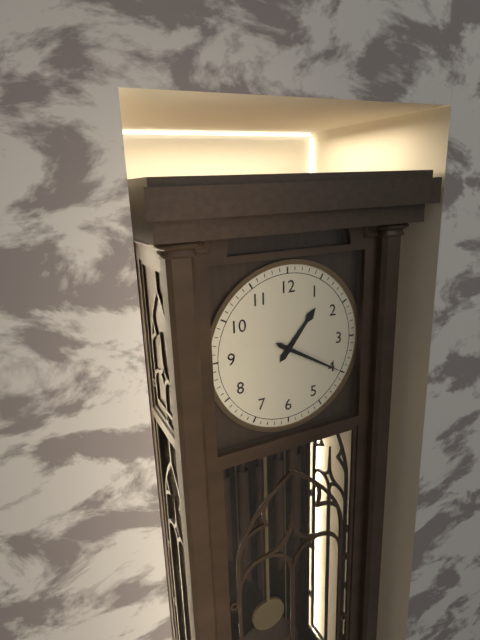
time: 1:20
